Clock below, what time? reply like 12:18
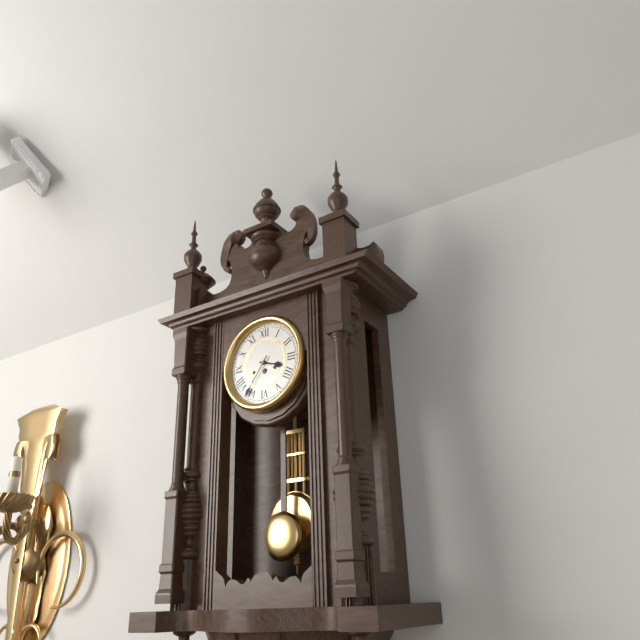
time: 3:36
